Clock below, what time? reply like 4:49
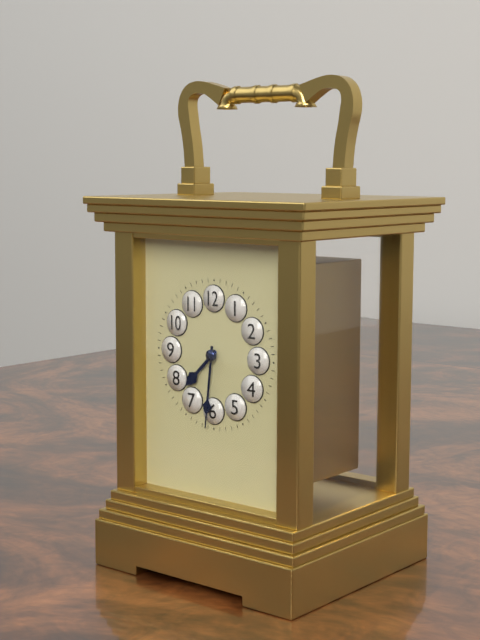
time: 7:31
